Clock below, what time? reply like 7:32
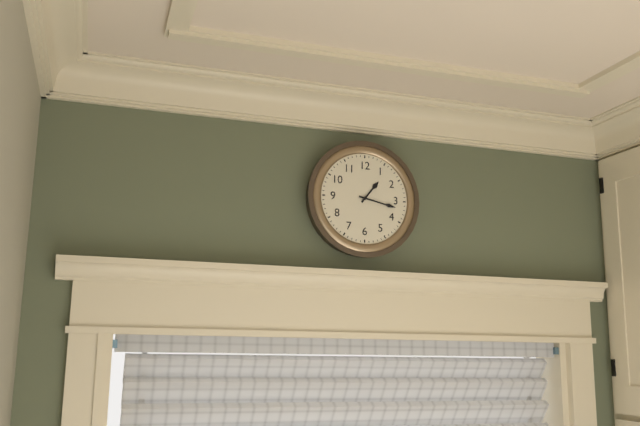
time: 1:17
